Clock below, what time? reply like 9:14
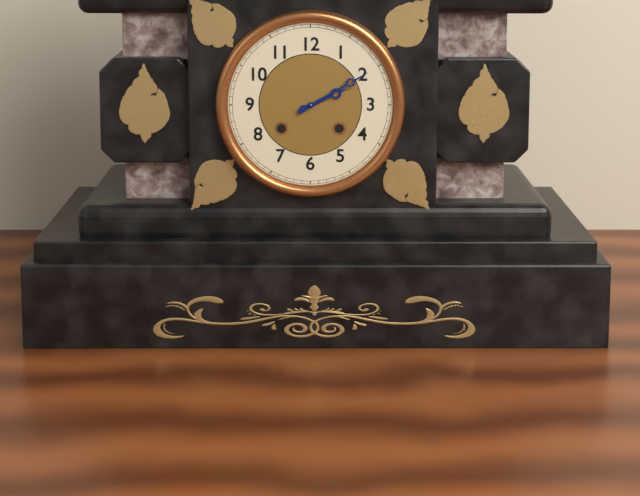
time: 2:10
